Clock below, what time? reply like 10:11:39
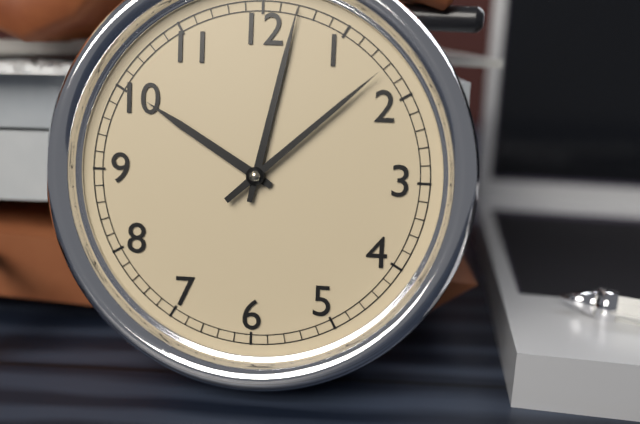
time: 10:02:08
